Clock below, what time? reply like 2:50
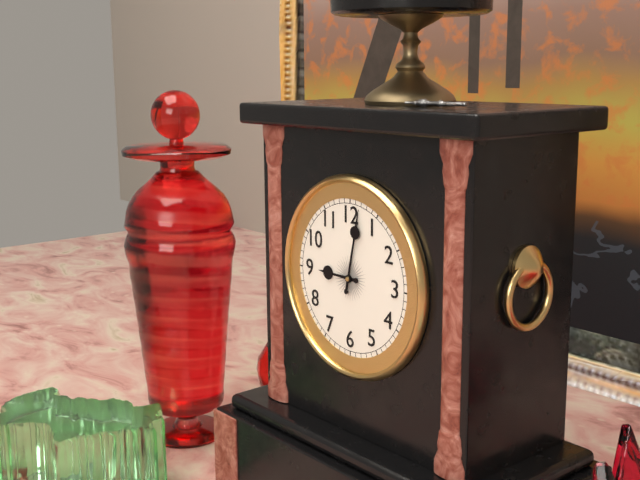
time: 9:02
